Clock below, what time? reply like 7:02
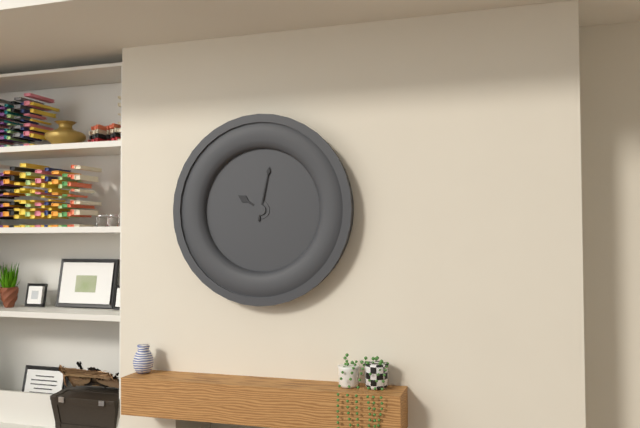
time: 10:02
